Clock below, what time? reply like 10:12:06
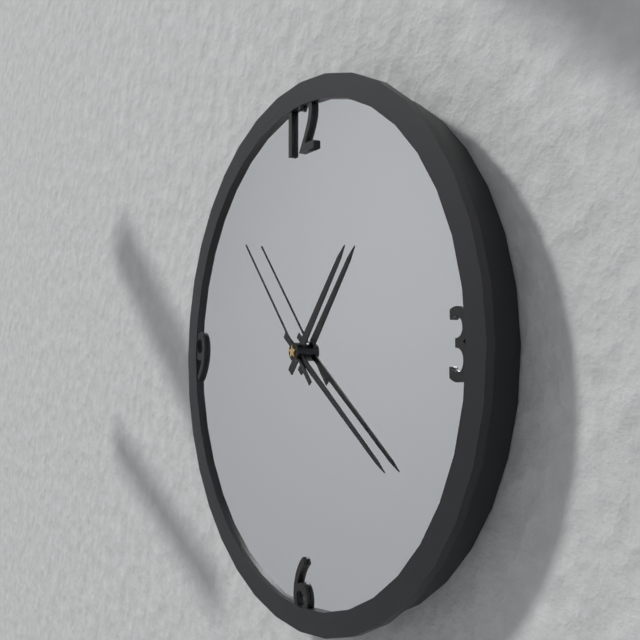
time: 1:21:53
